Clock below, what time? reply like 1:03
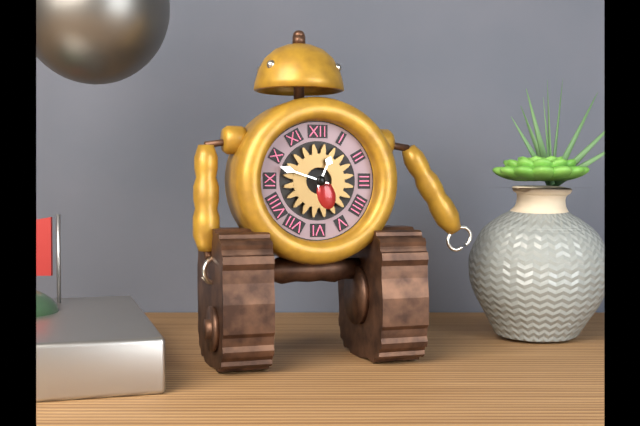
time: 12:48
